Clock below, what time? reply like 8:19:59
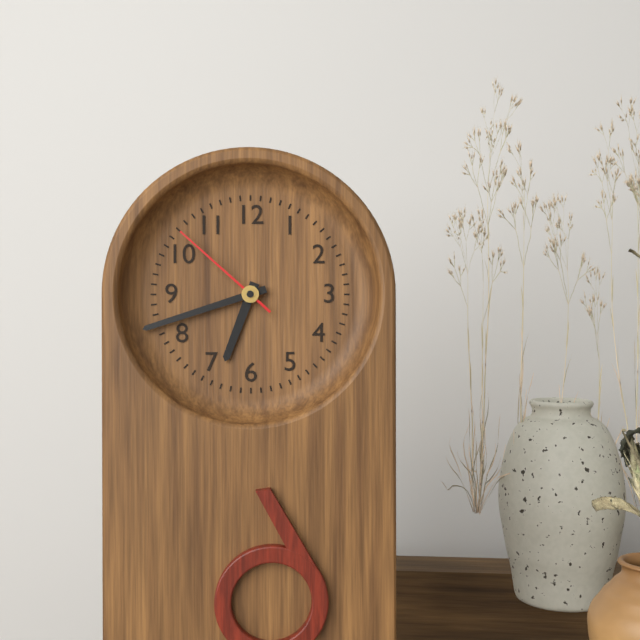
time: 6:42:52
